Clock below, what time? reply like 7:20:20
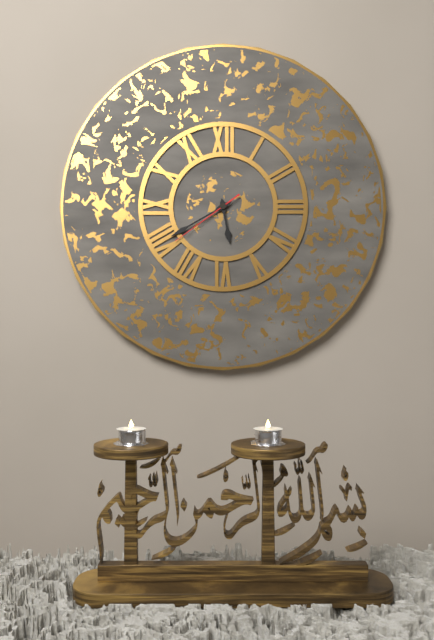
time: 5:40:39
